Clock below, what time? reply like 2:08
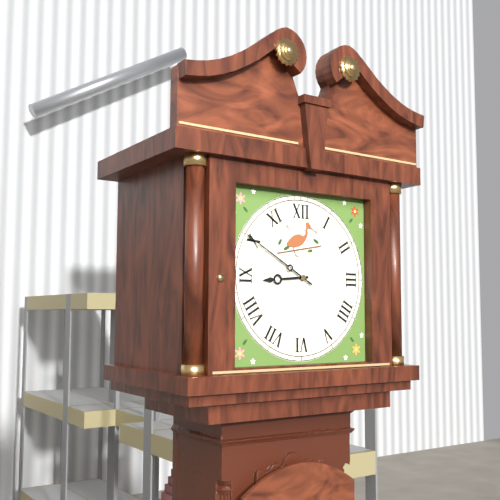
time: 8:50
